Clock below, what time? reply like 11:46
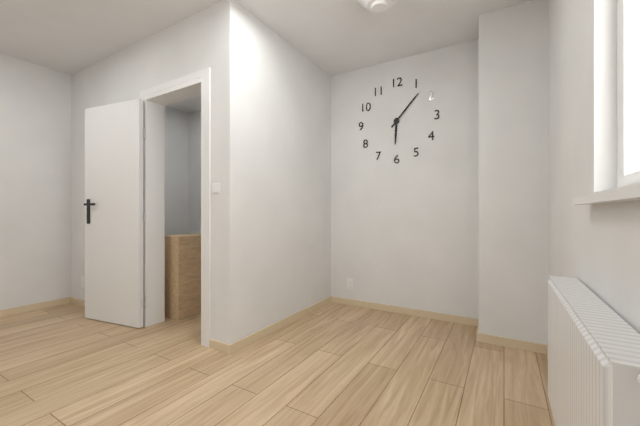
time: 6:07
